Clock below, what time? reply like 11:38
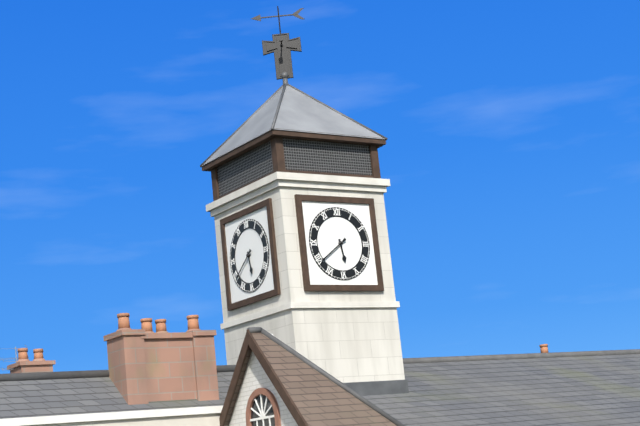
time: 5:39
